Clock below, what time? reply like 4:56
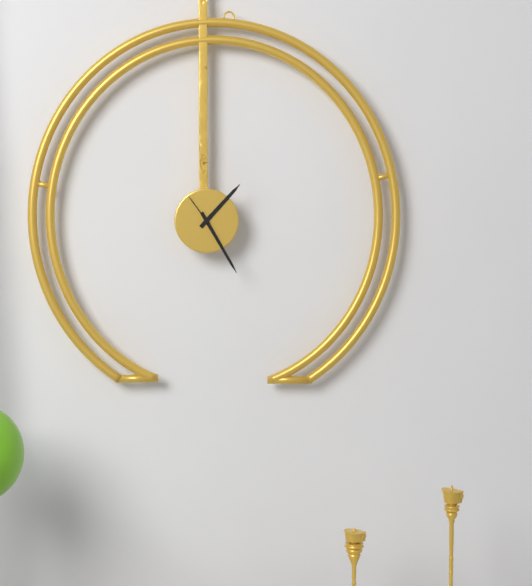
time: 1:25
